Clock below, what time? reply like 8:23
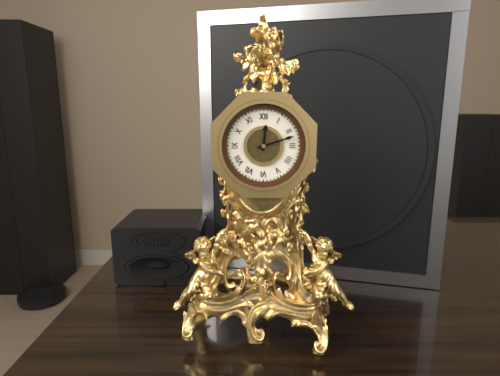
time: 12:12
